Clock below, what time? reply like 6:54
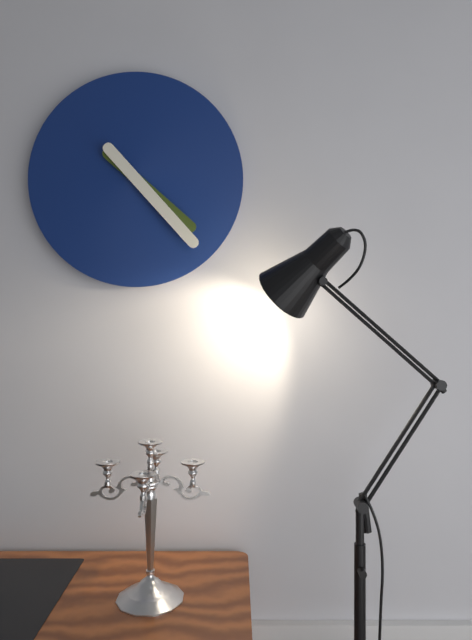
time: 4:23
